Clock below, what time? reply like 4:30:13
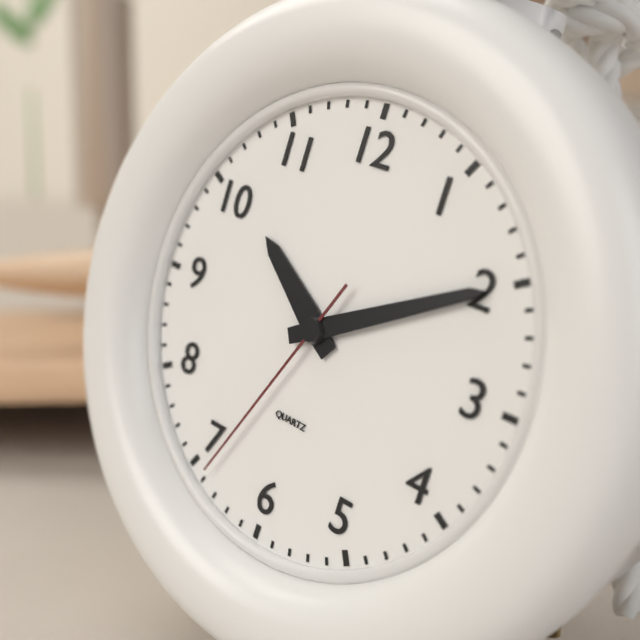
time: 10:10:34
